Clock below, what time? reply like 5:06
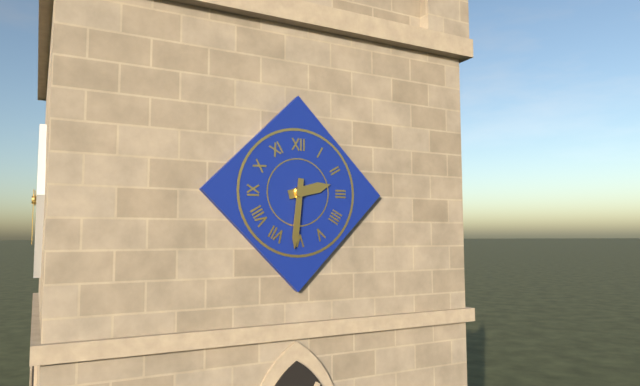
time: 2:31
